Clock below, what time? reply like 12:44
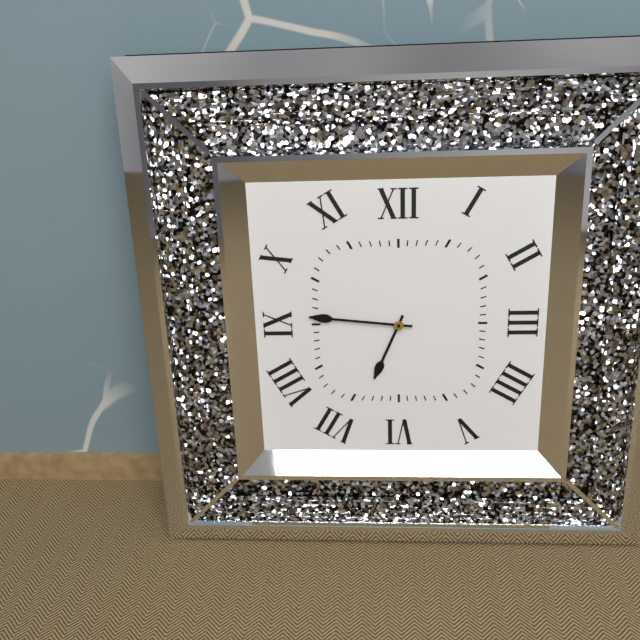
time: 6:46
